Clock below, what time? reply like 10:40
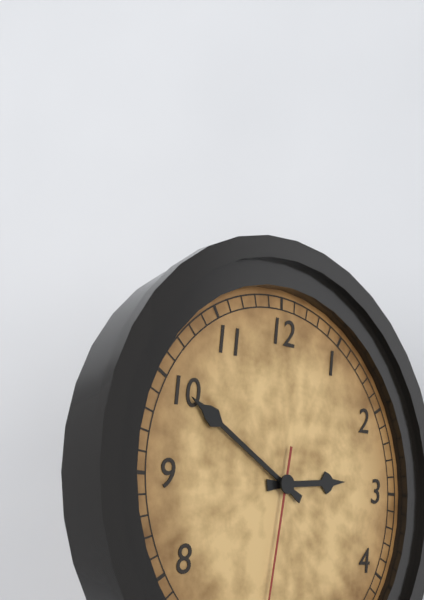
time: 2:50
